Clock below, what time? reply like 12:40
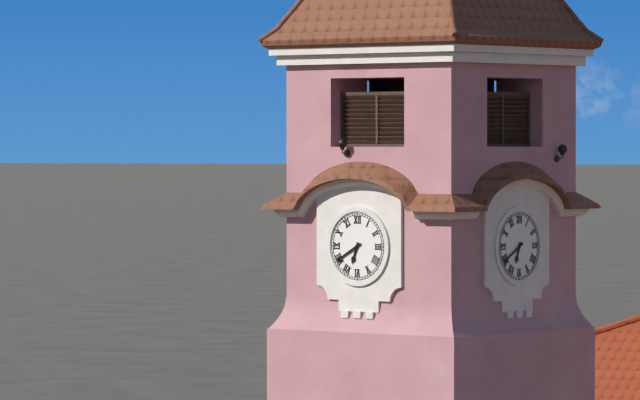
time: 6:40
